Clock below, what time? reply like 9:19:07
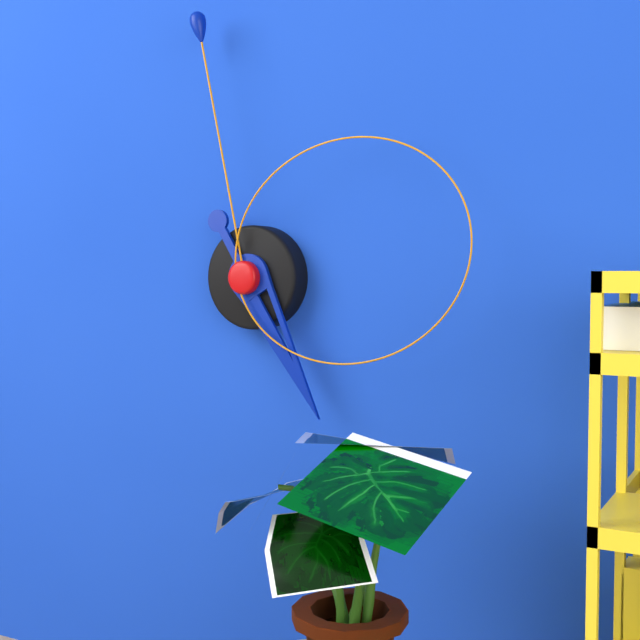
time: 4:58:13
